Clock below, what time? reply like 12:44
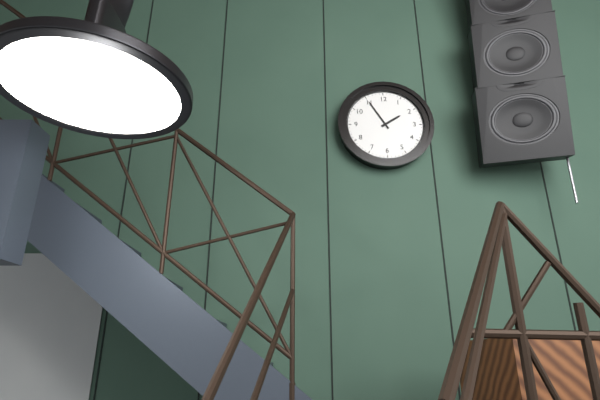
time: 1:55
